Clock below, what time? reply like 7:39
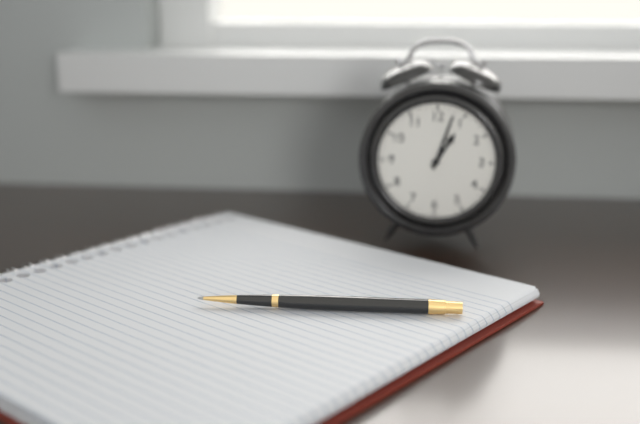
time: 1:03
